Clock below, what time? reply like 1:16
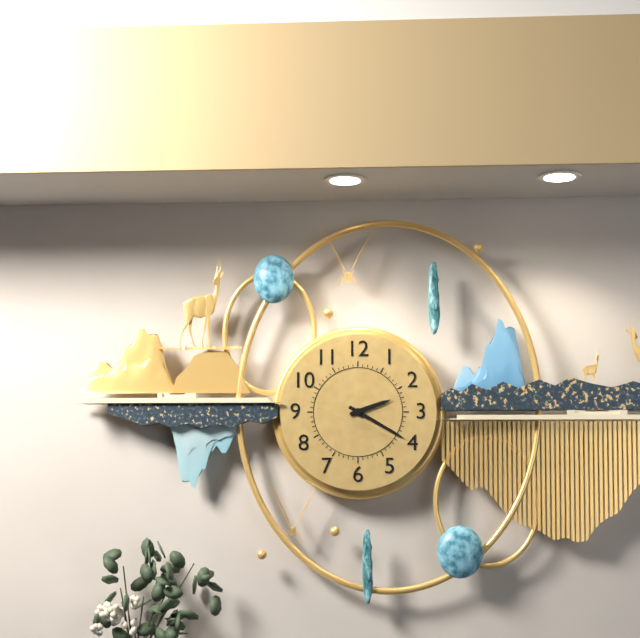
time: 2:20
